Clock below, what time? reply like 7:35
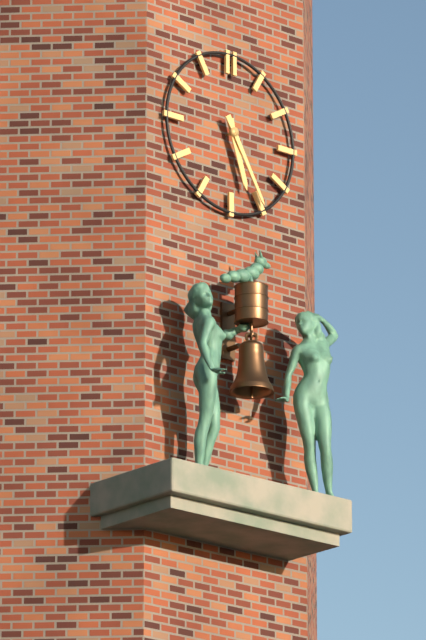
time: 5:25
